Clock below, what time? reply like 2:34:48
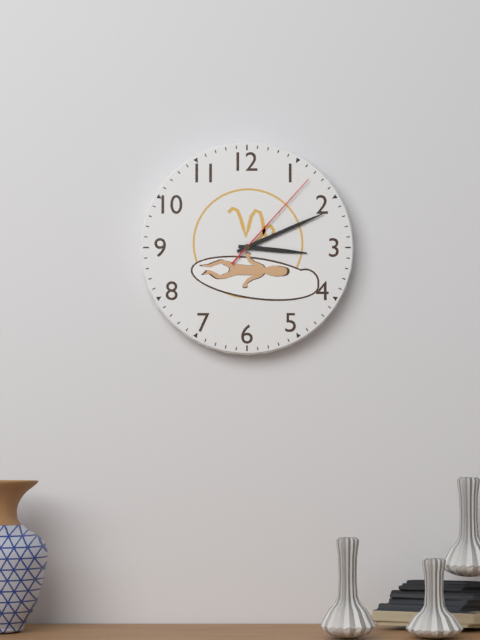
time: 3:11:07
